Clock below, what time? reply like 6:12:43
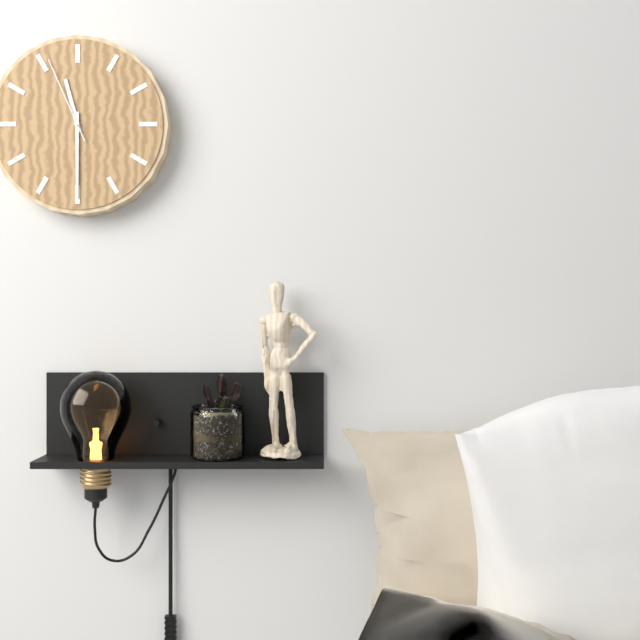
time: 11:30:56
